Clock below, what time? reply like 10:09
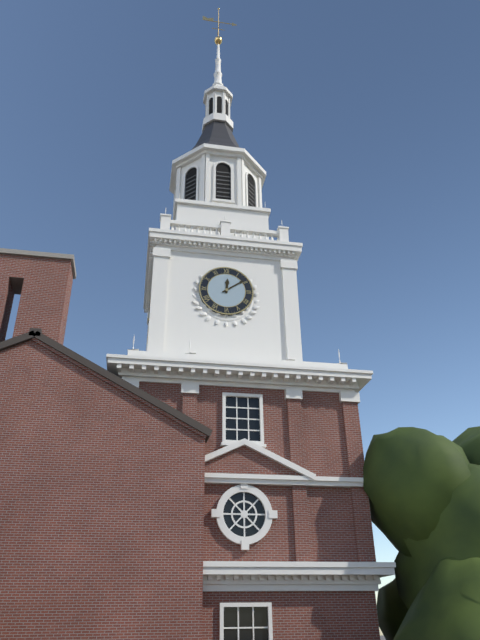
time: 12:09
